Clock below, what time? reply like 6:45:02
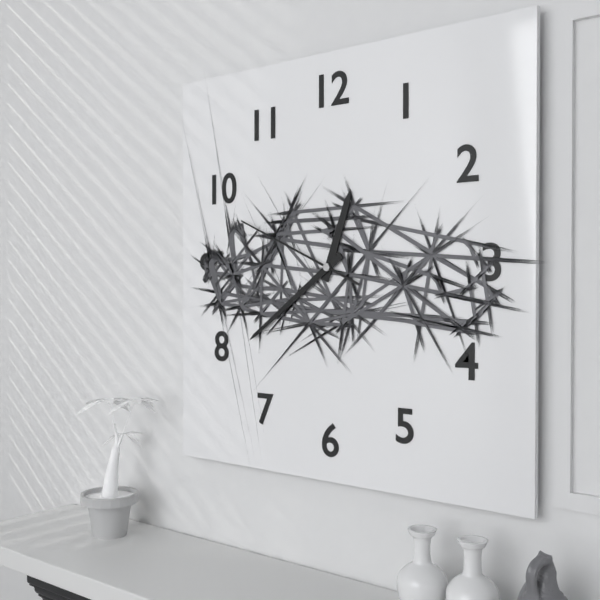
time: 12:39:49
